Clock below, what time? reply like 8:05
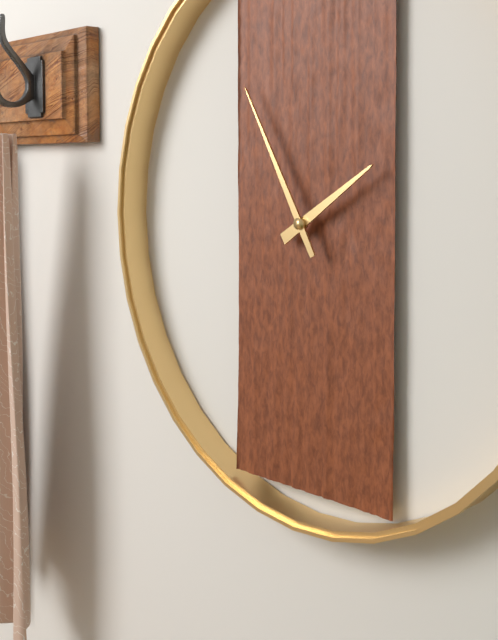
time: 1:55
